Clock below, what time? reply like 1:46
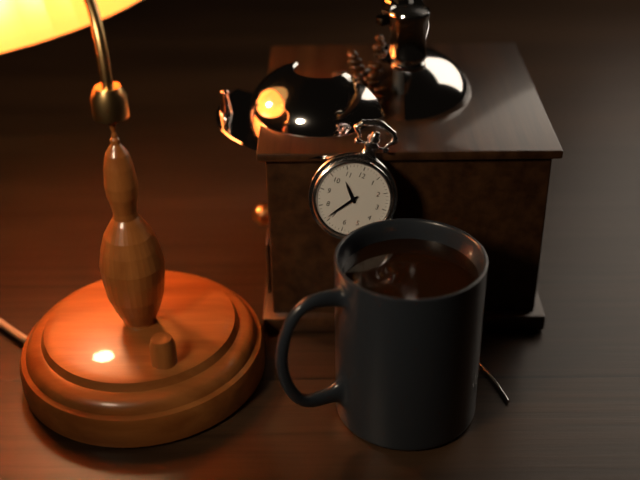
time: 10:36
